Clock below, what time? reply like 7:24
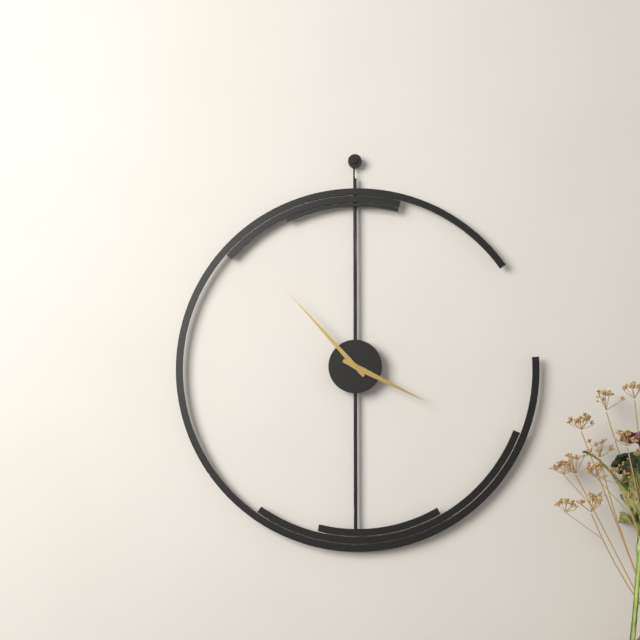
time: 3:53
